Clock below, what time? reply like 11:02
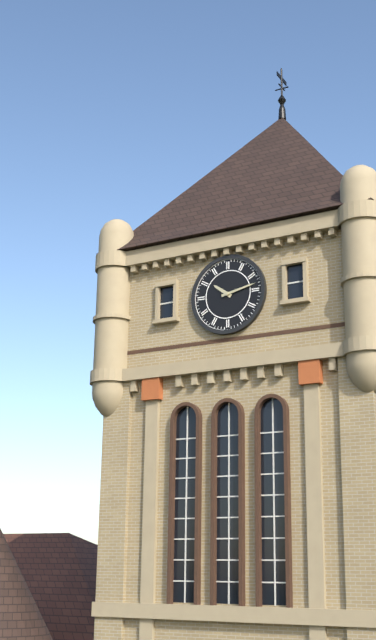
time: 10:13
